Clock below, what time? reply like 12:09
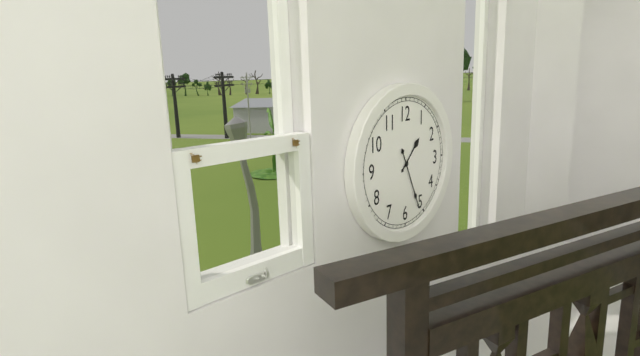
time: 1:26
